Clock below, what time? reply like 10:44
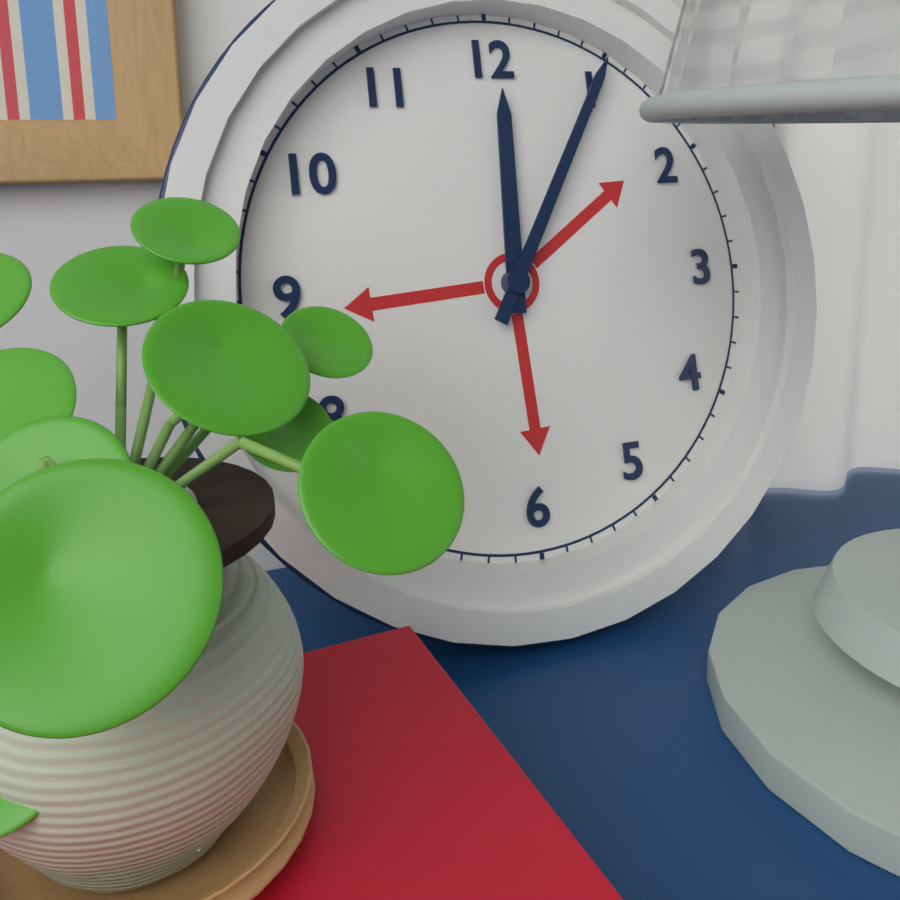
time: 12:05
